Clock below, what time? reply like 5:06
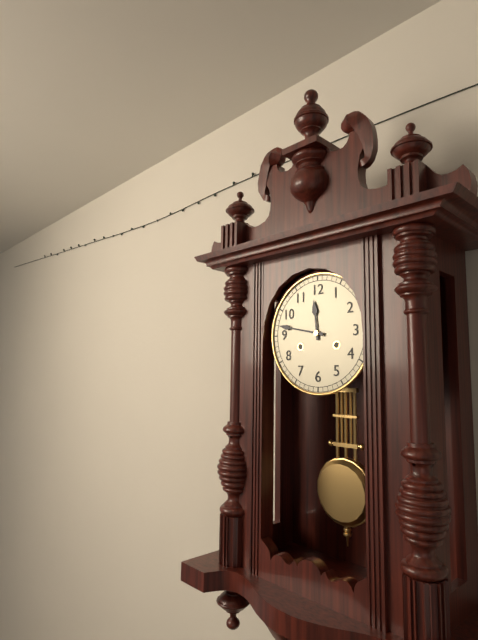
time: 11:47
